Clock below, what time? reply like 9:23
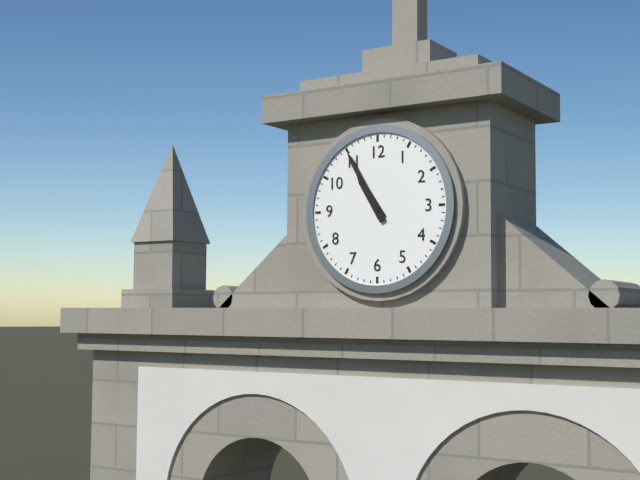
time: 10:55
